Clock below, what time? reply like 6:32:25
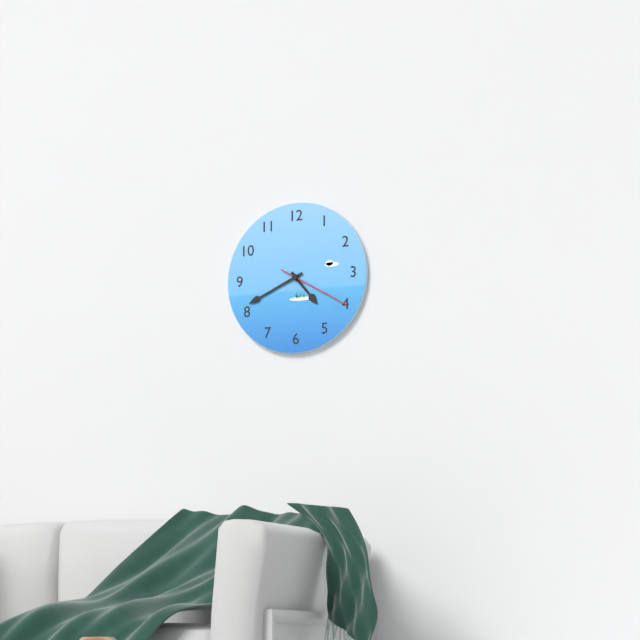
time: 4:41:20
